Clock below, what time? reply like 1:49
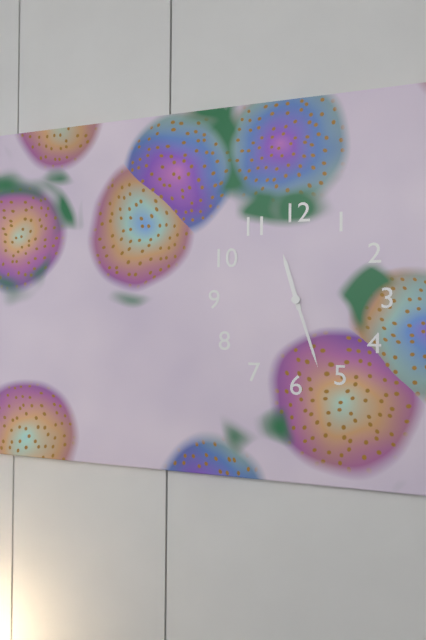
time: 11:27
